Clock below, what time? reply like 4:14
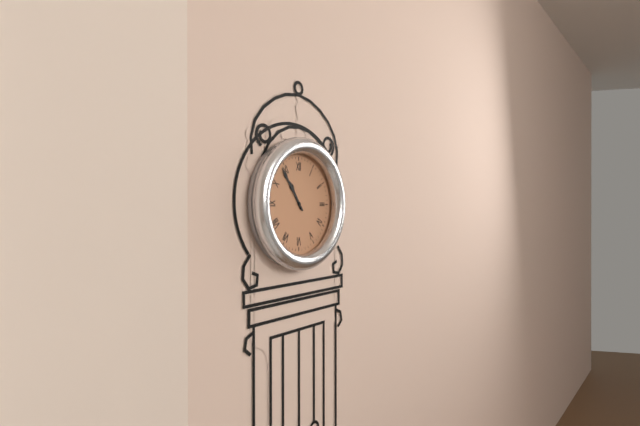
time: 10:54
